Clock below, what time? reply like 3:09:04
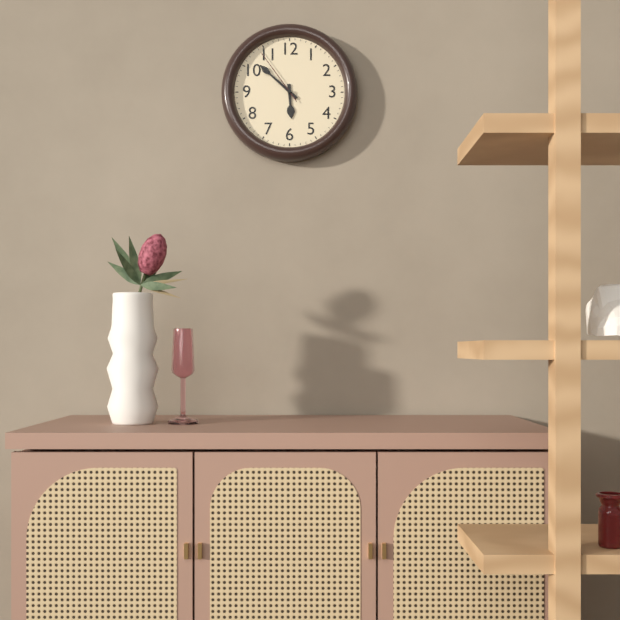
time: 5:52:54
